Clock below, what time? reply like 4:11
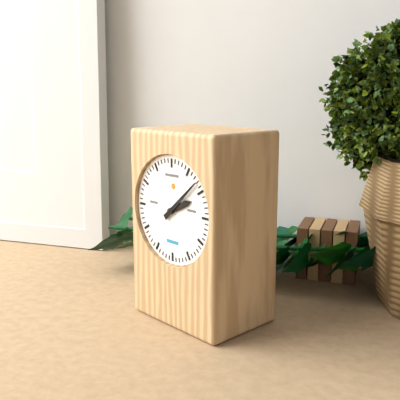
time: 2:08
